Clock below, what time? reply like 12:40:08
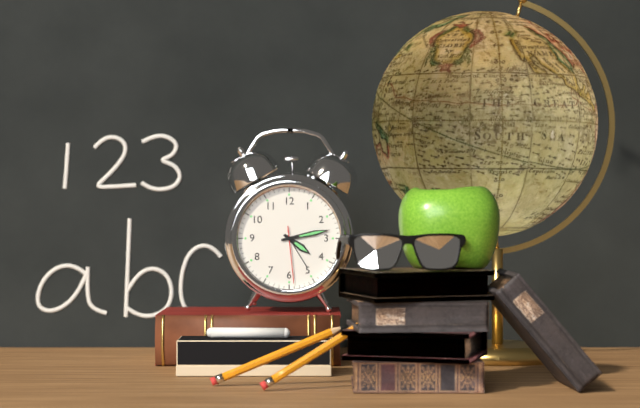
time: 4:13:29
